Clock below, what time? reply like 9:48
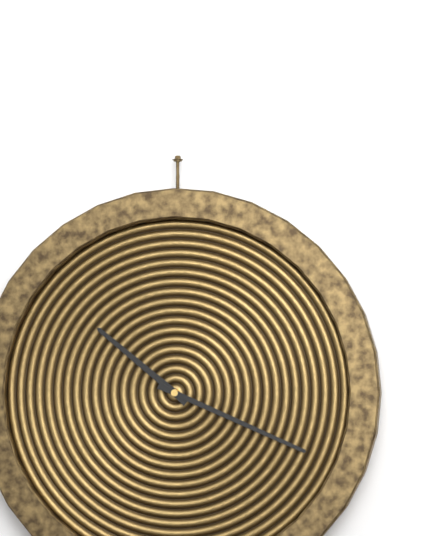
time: 10:19
